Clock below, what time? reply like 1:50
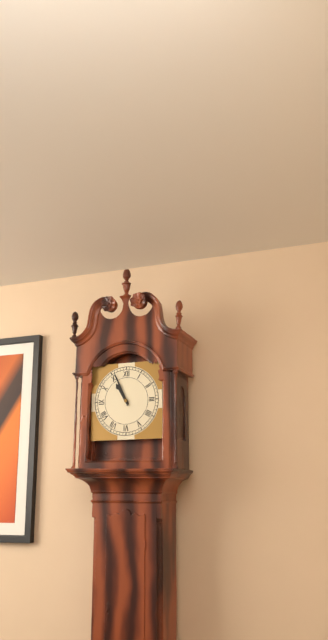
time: 10:56
